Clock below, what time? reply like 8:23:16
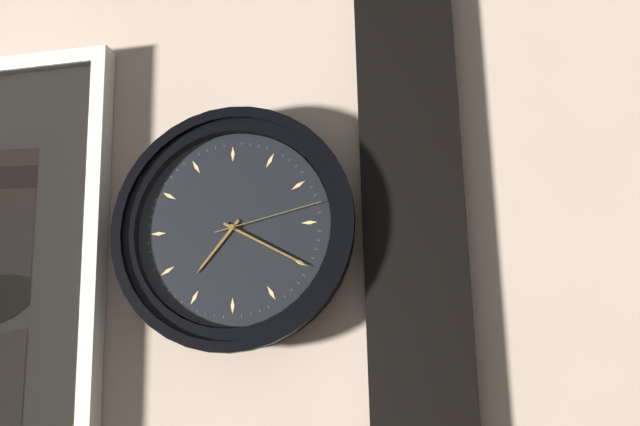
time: 7:20:13
